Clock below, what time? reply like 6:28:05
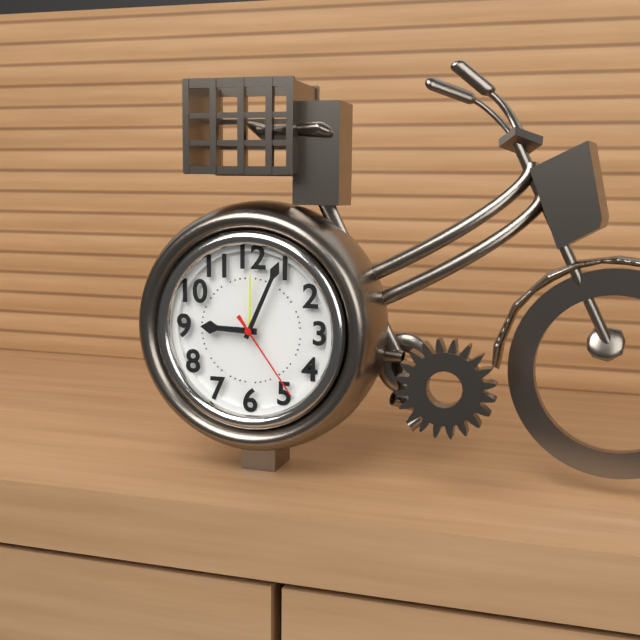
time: 9:04:24
